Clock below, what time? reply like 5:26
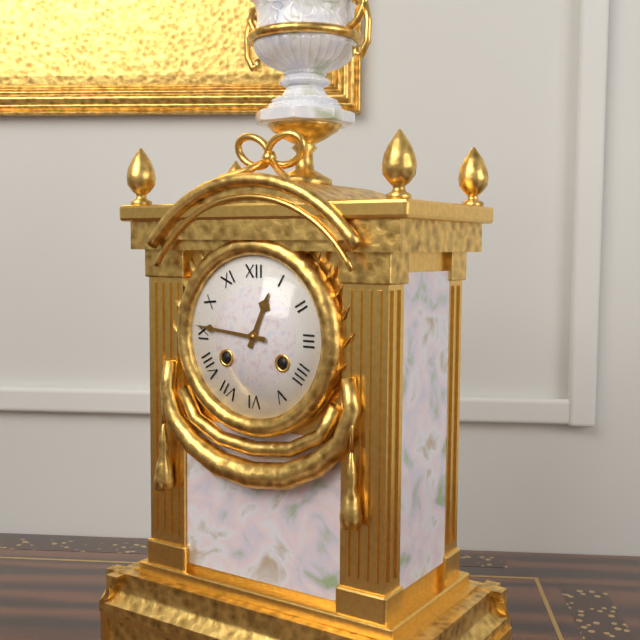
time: 12:46
